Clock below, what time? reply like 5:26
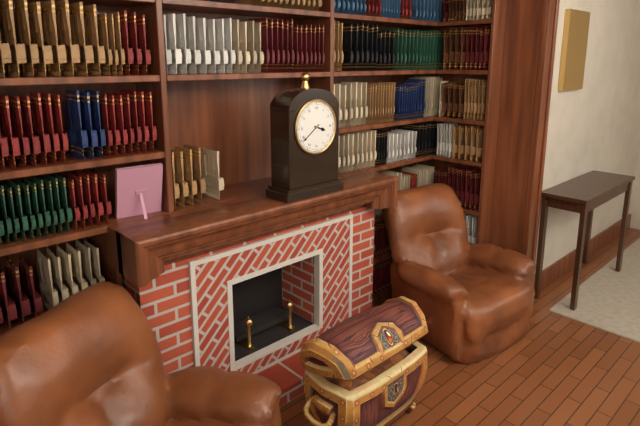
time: 3:39
